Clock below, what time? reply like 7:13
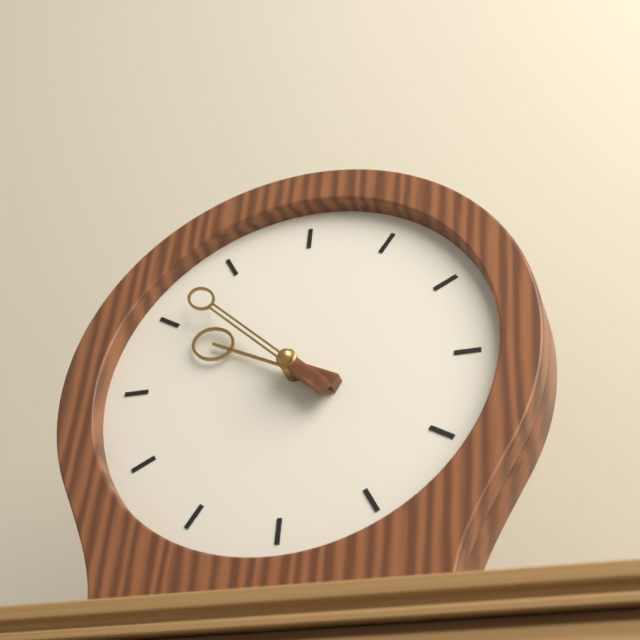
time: 9:52
